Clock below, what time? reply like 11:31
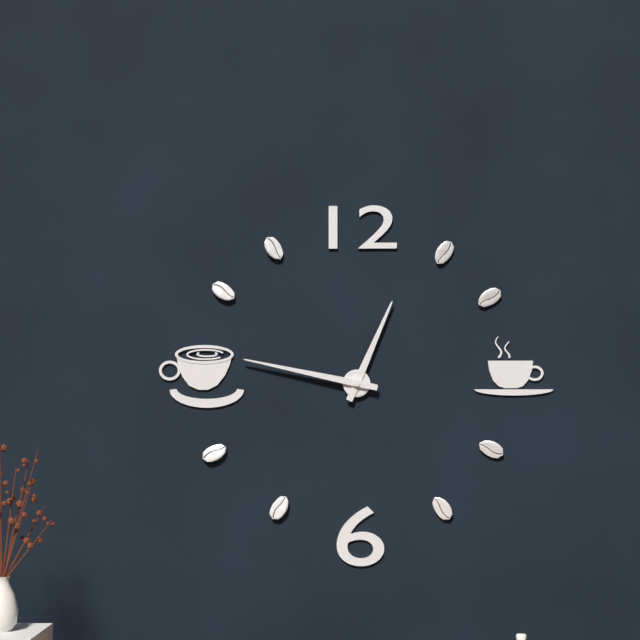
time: 12:47
